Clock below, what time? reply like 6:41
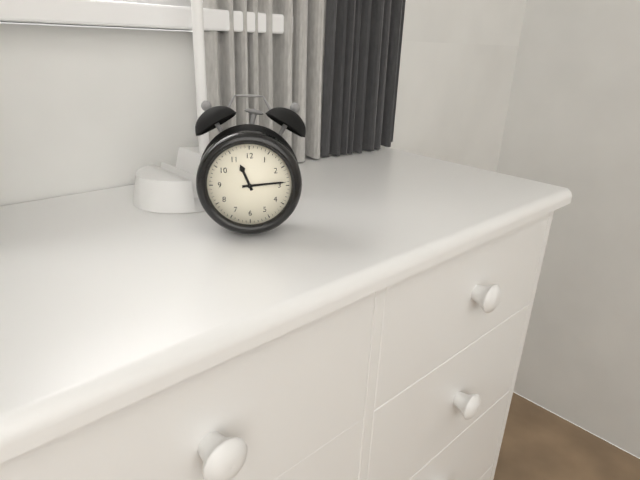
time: 11:14
